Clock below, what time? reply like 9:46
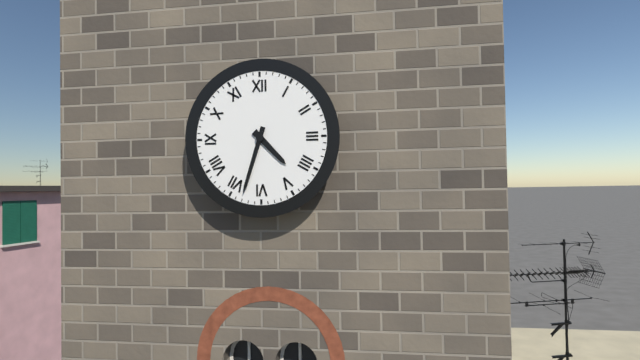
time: 4:33
